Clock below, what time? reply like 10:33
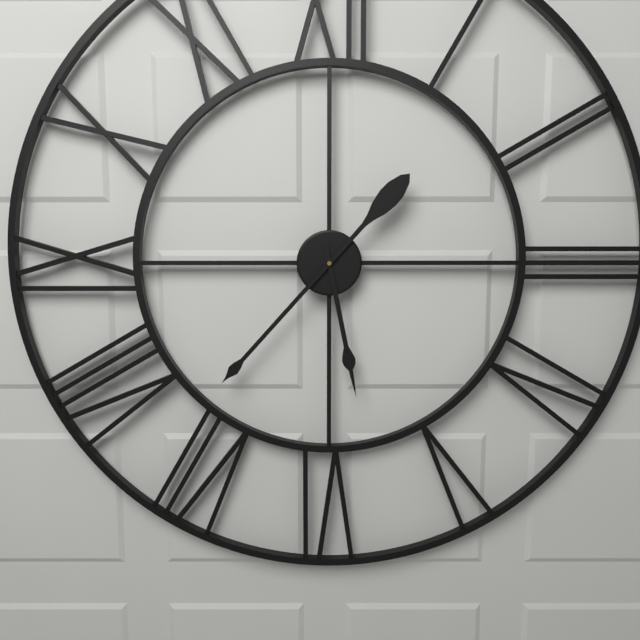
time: 5:37
